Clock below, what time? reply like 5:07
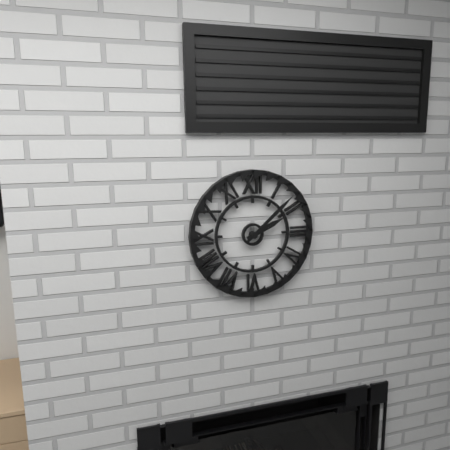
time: 2:08
